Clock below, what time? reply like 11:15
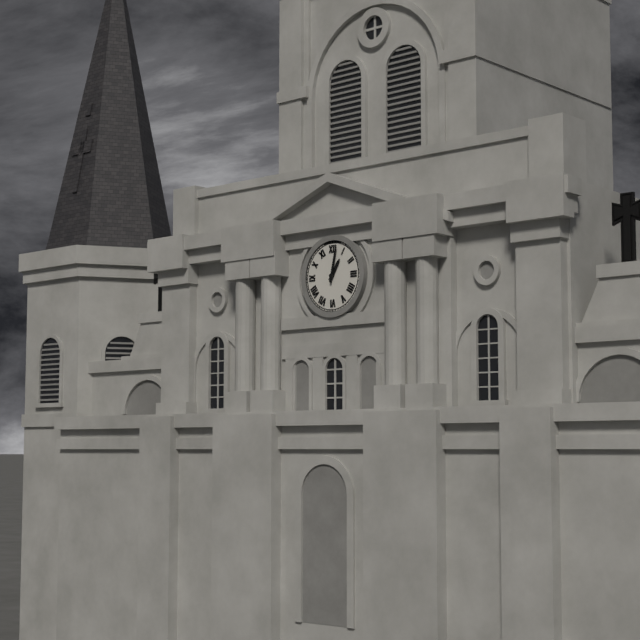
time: 1:02
